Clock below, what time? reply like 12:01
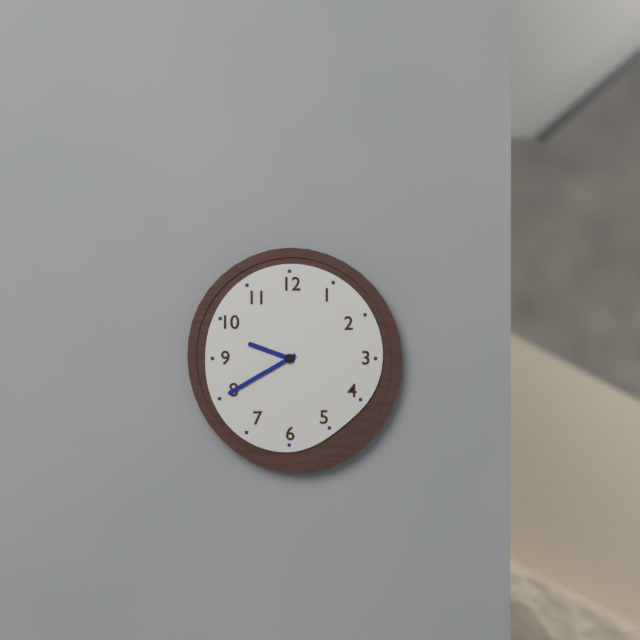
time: 9:40
